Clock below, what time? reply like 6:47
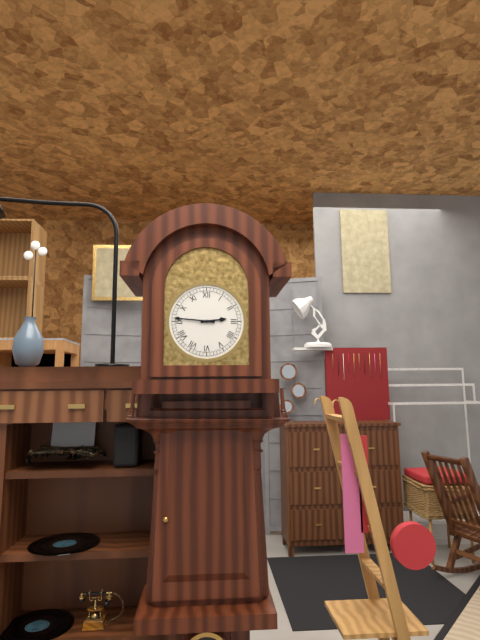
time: 2:46
